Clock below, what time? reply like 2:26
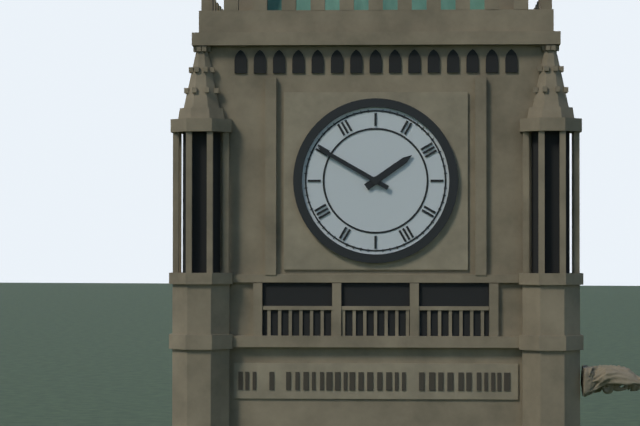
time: 1:50
